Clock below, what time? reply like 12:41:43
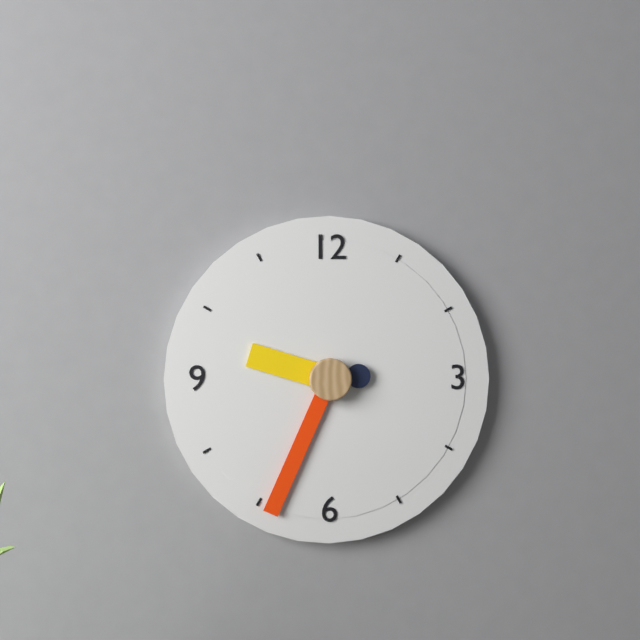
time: 9:34:14
